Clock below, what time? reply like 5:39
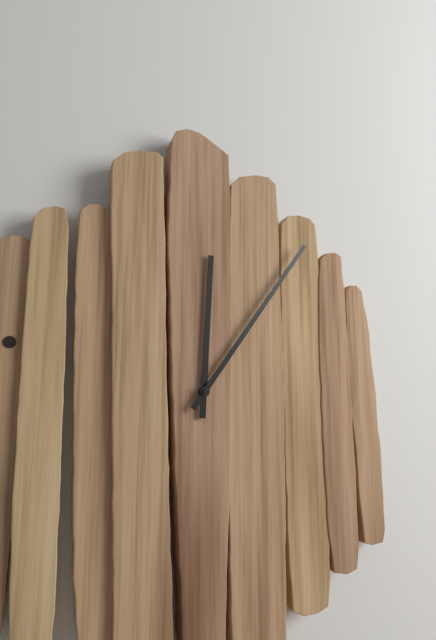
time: 12:06
